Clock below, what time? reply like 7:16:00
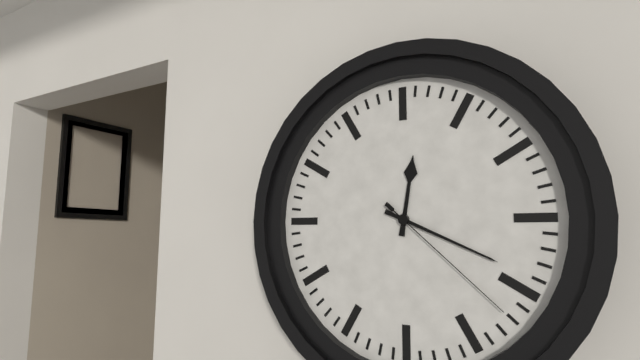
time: 12:19:22
